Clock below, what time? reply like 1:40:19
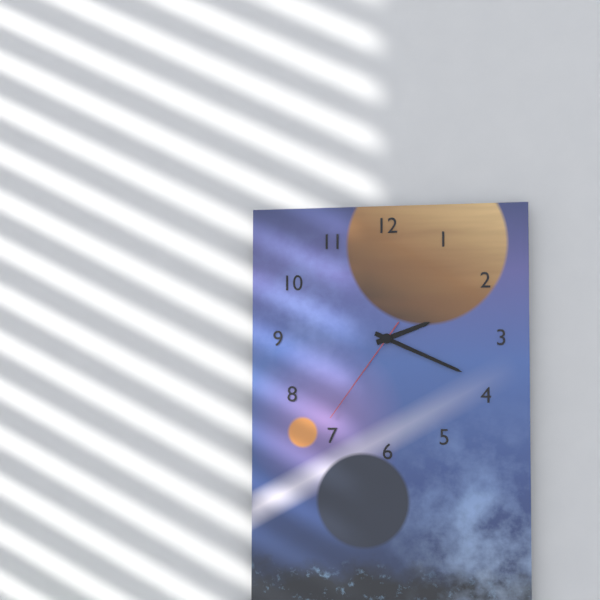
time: 2:19:36
